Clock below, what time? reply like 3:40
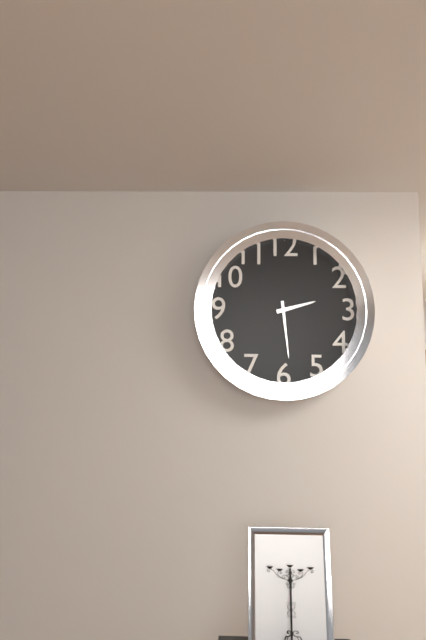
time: 2:29
